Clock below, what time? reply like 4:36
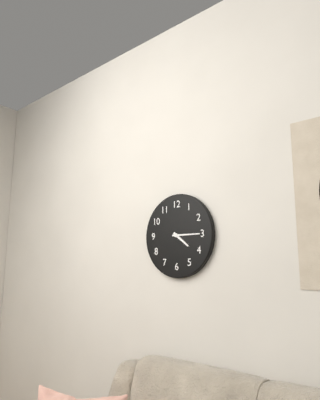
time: 4:15
